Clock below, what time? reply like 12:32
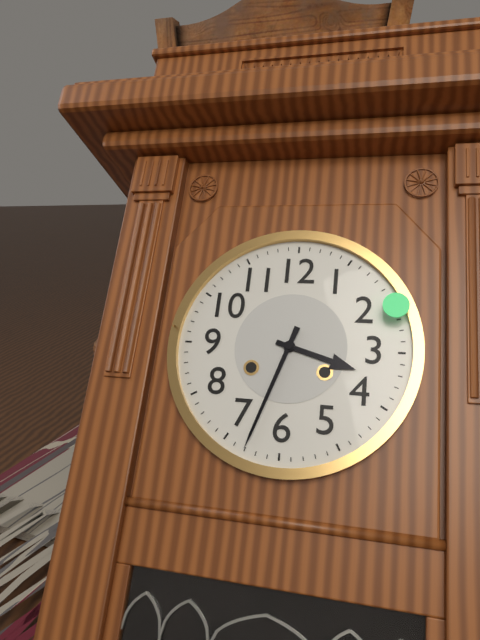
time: 3:33
